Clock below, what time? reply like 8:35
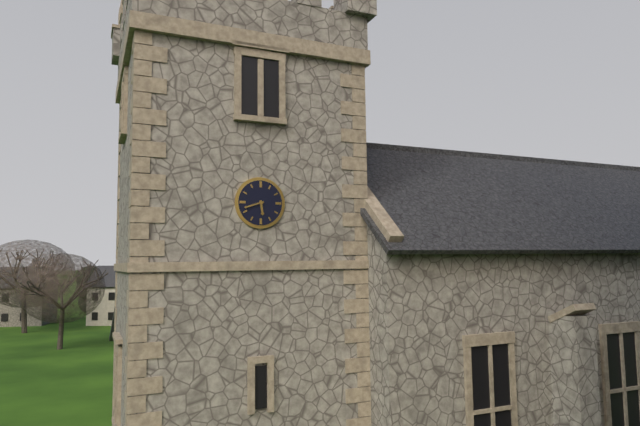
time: 5:42
